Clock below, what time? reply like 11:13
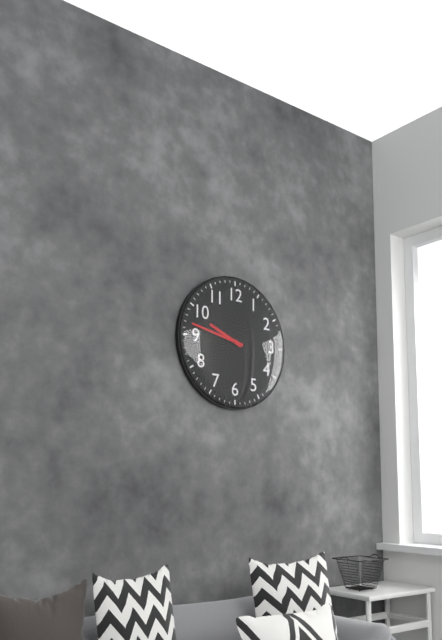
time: 9:47
